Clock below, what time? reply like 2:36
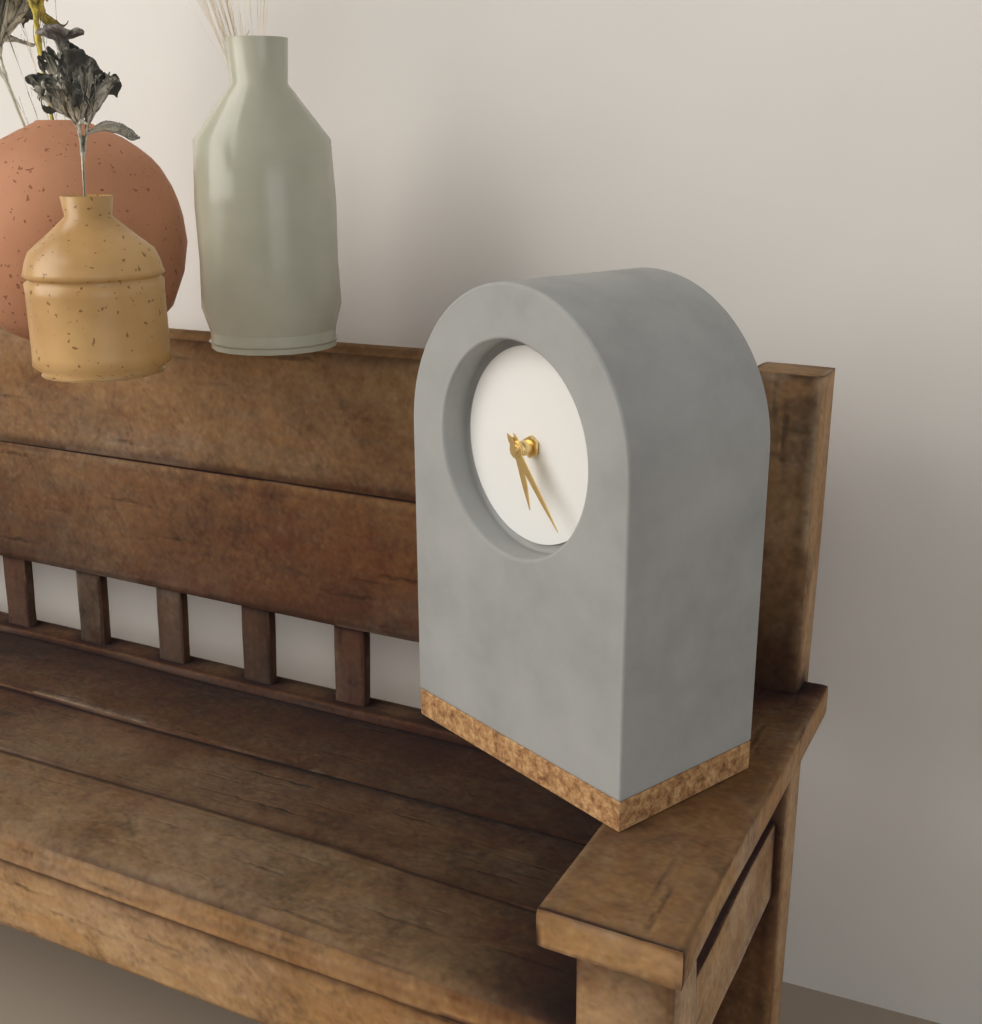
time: 5:23
